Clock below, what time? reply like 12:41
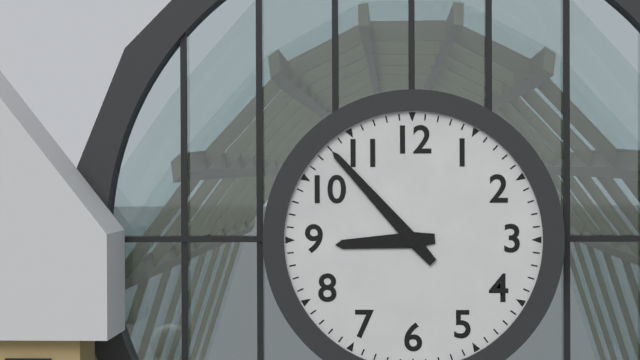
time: 8:53
